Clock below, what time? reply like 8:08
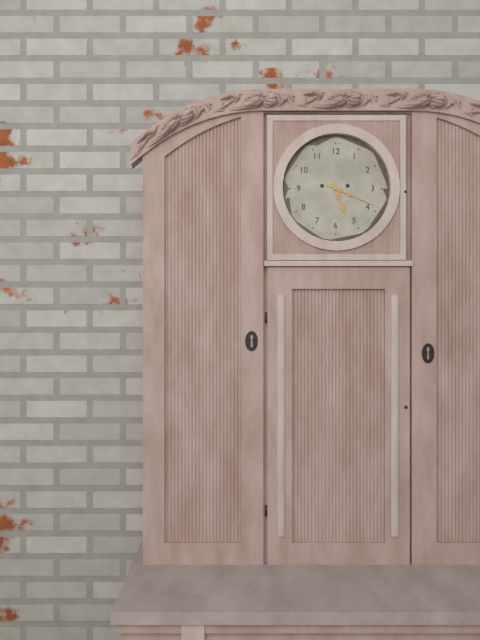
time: 5:19
